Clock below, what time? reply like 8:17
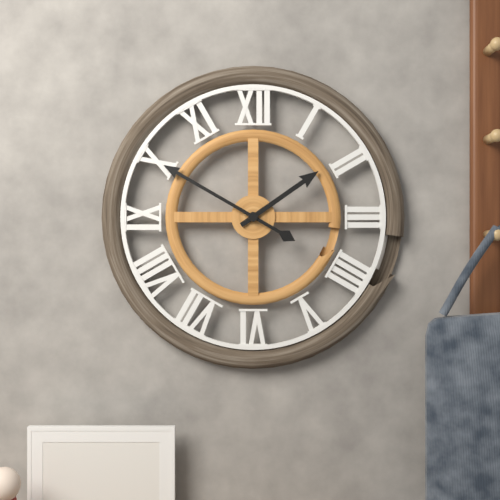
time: 1:50
